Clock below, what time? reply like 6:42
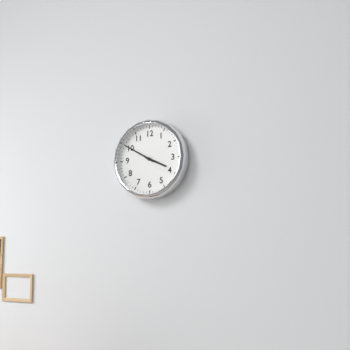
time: 3:50
